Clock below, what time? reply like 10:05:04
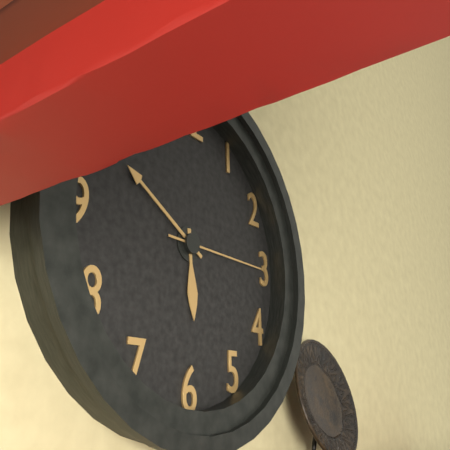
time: 5:50:15
